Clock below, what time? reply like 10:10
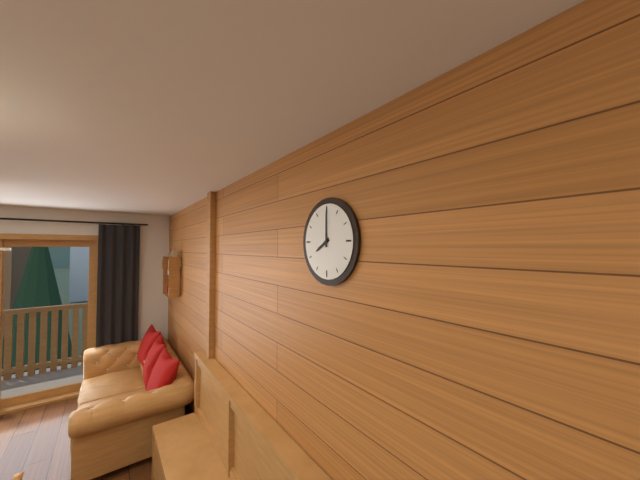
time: 8:00
